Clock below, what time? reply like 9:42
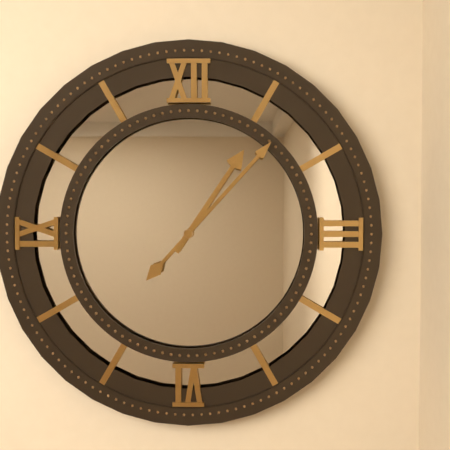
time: 1:07
